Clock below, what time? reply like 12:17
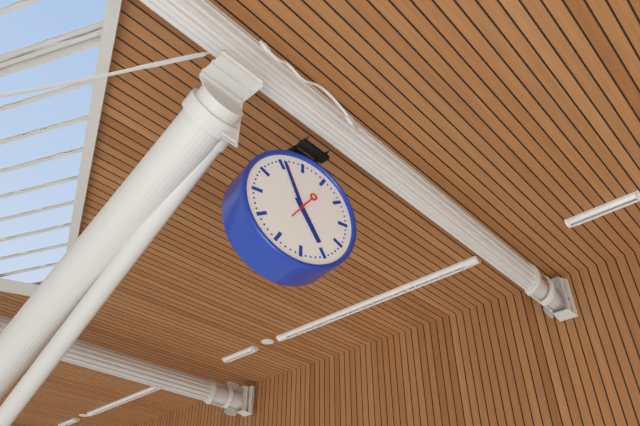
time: 4:56
